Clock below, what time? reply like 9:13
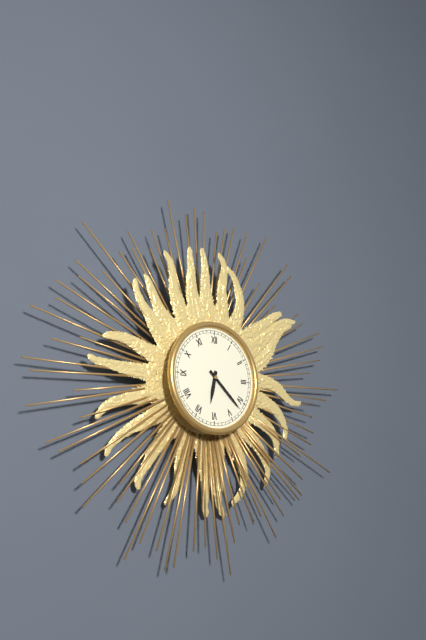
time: 6:22
